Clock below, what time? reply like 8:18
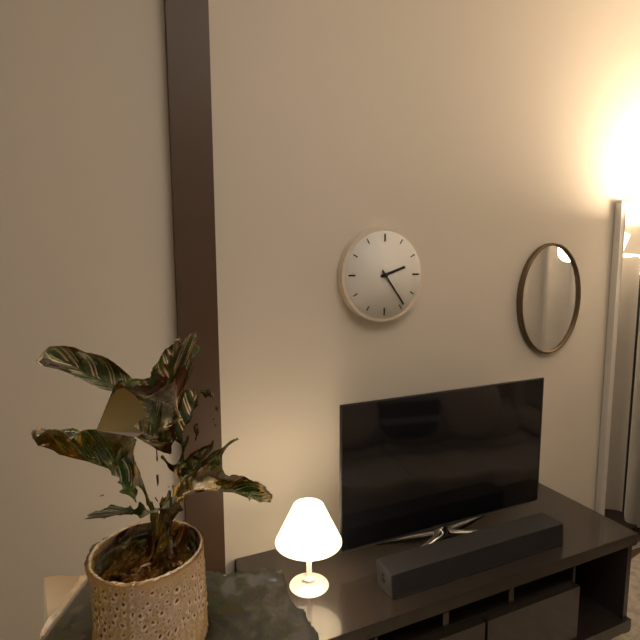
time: 2:24
